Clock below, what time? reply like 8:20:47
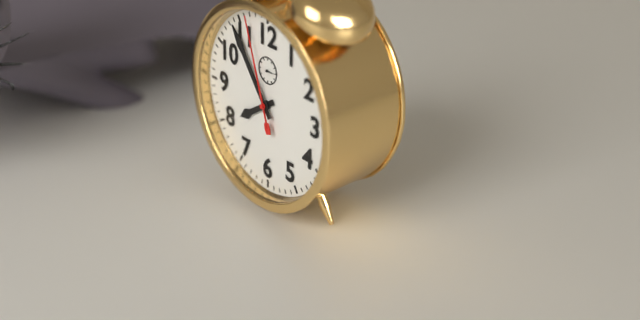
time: 7:54:57
